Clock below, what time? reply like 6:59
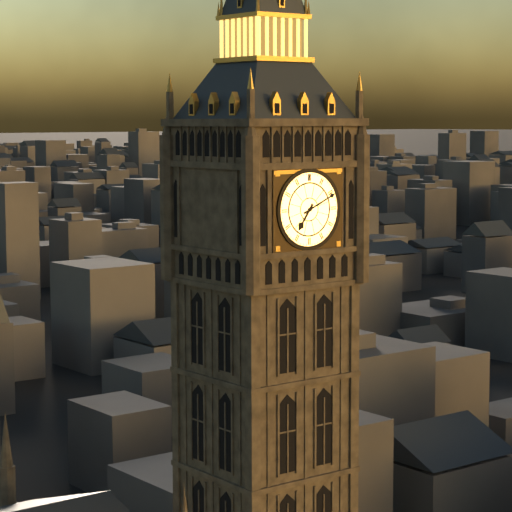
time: 7:11
